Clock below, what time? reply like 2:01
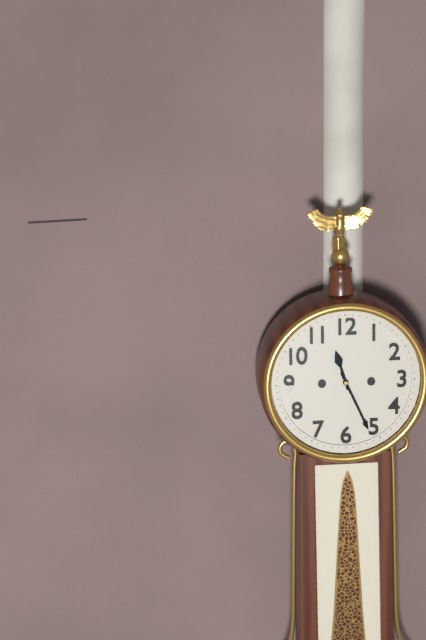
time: 11:26
